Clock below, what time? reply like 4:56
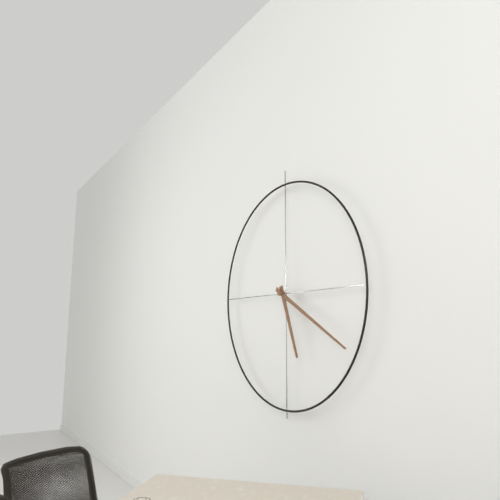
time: 5:20
